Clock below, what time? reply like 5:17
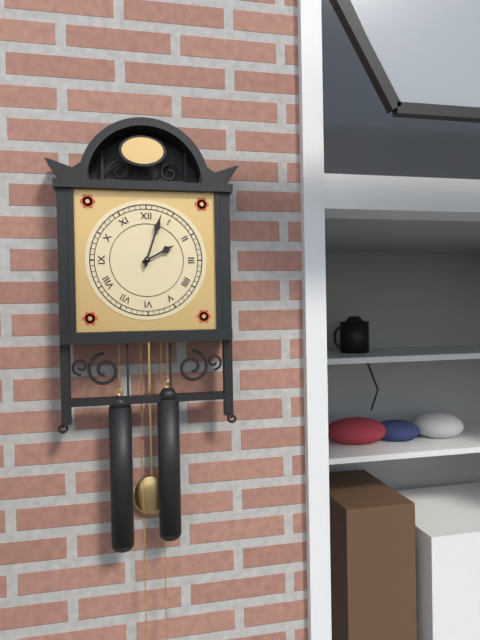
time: 2:03
